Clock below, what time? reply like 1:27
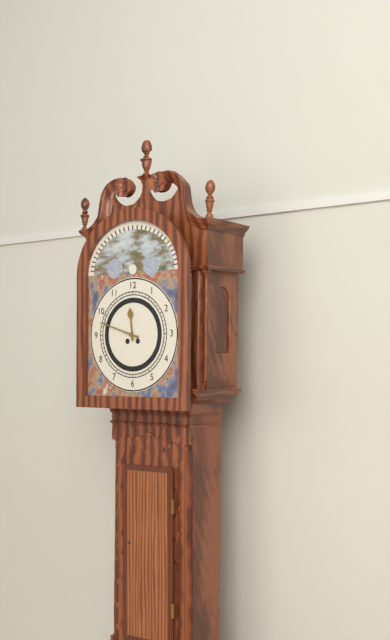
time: 11:48
